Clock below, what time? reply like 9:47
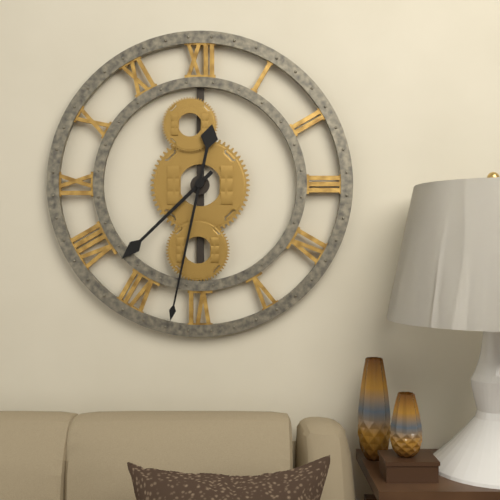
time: 7:32
